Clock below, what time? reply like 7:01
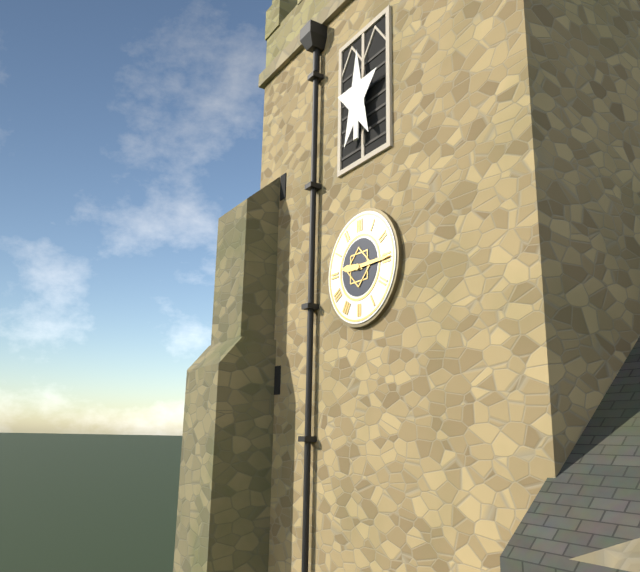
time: 9:15
